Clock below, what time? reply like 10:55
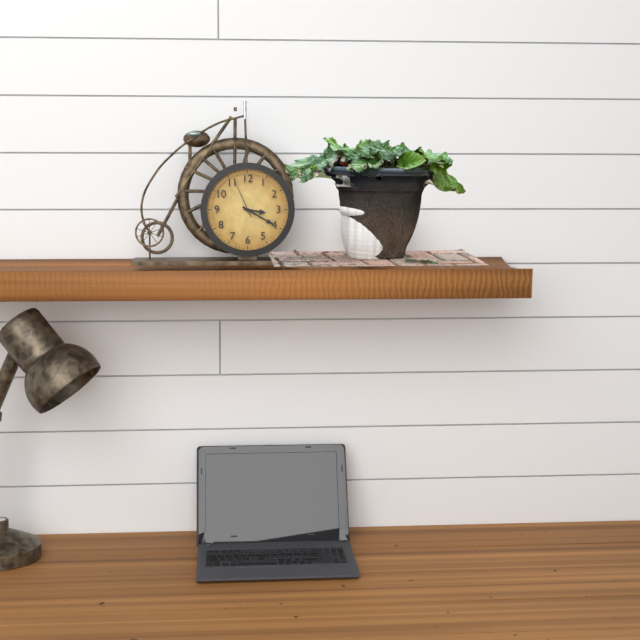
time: 3:20
